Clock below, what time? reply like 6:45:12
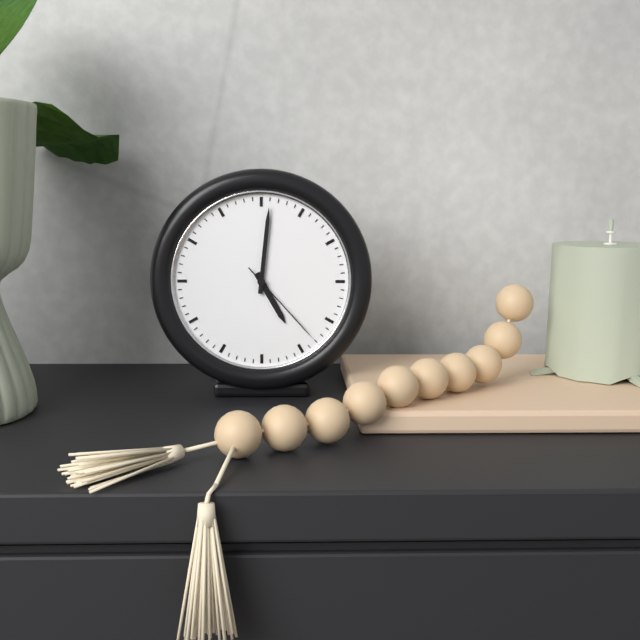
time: 5:01:23
